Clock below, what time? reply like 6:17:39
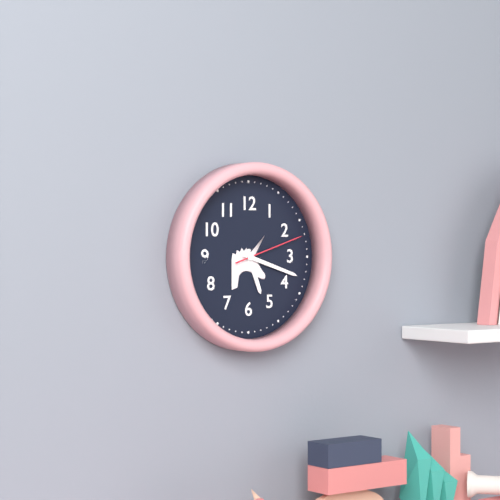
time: 5:18:12
